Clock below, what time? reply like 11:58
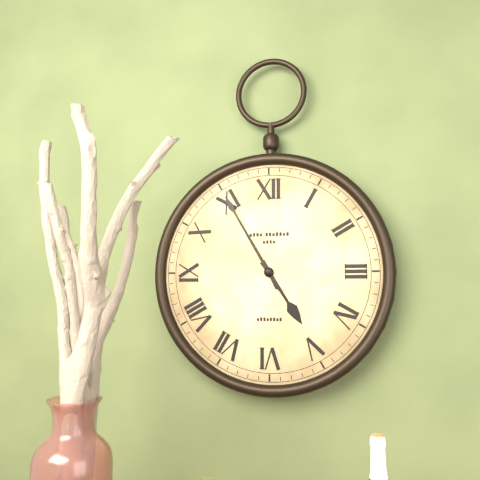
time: 4:55
